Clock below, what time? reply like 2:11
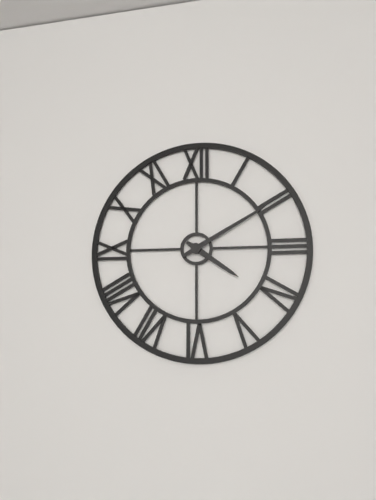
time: 4:10
